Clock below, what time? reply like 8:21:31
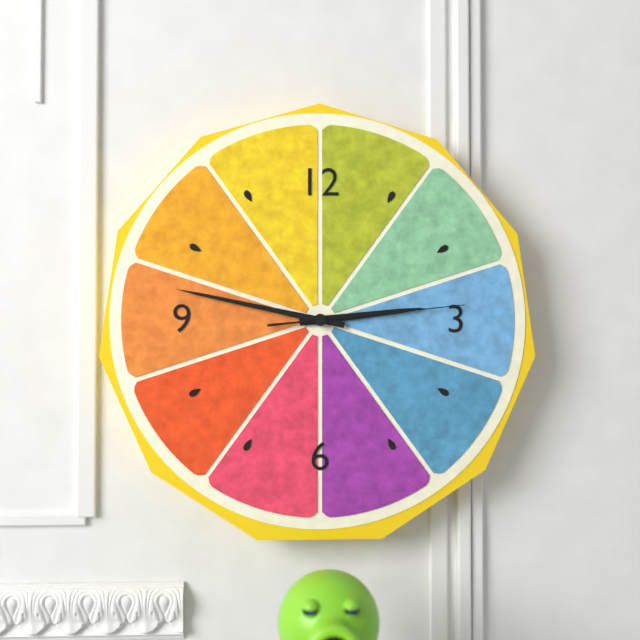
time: 2:47:14
